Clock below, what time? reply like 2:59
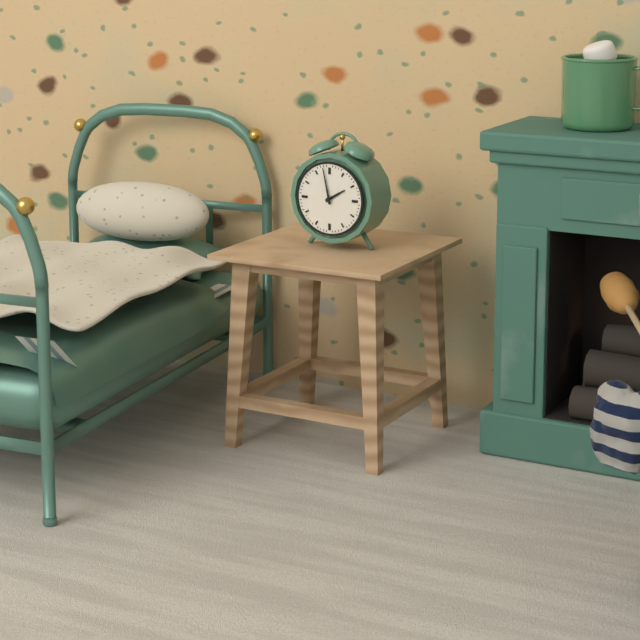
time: 1:58
